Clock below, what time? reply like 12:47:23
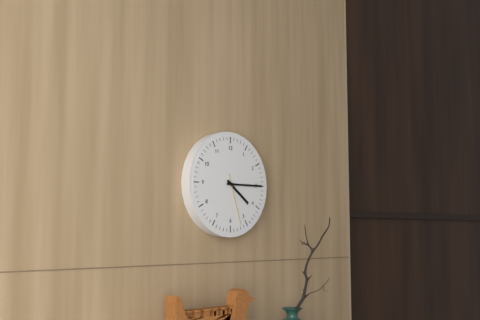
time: 4:15:27
